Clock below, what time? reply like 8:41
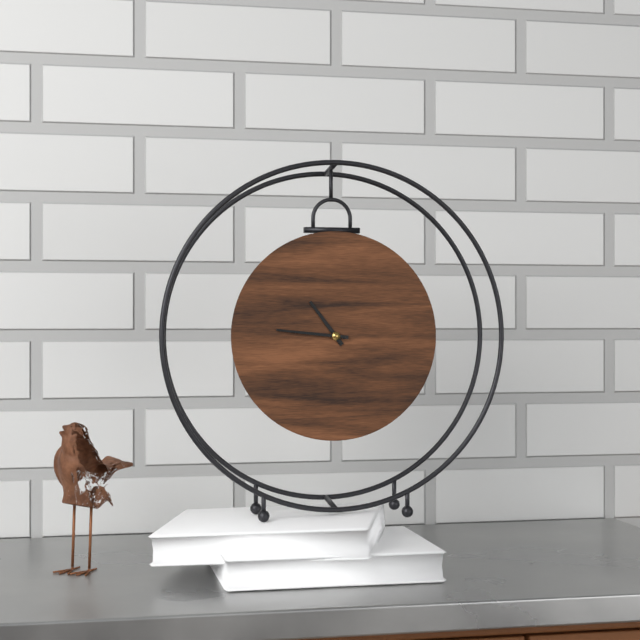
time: 10:46
